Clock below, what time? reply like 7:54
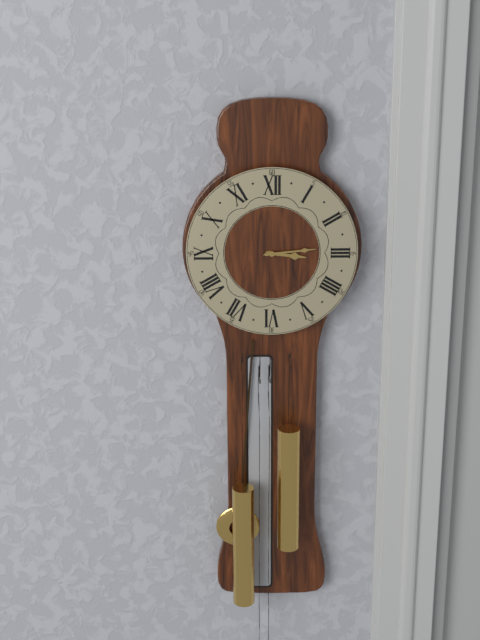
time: 3:14
